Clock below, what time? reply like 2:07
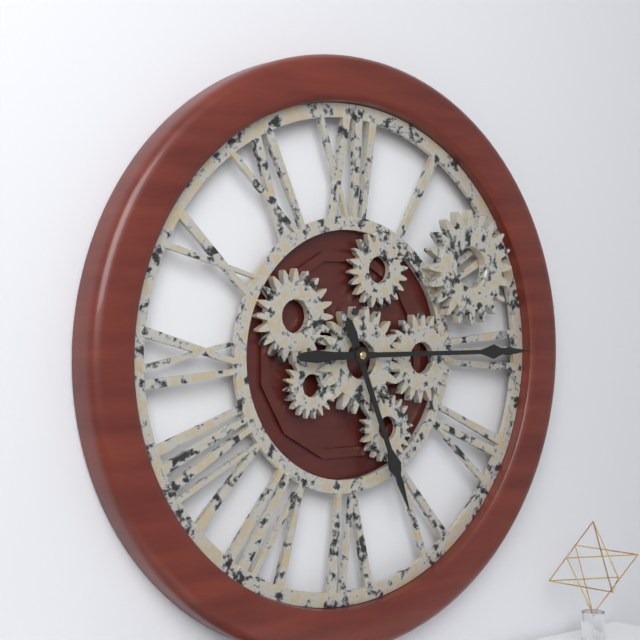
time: 5:15
